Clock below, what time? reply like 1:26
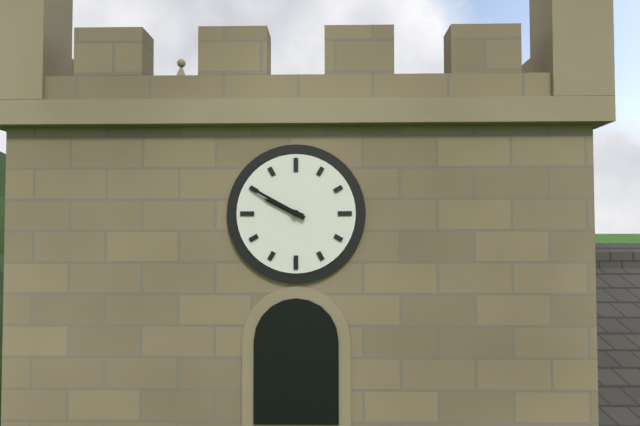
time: 9:50
